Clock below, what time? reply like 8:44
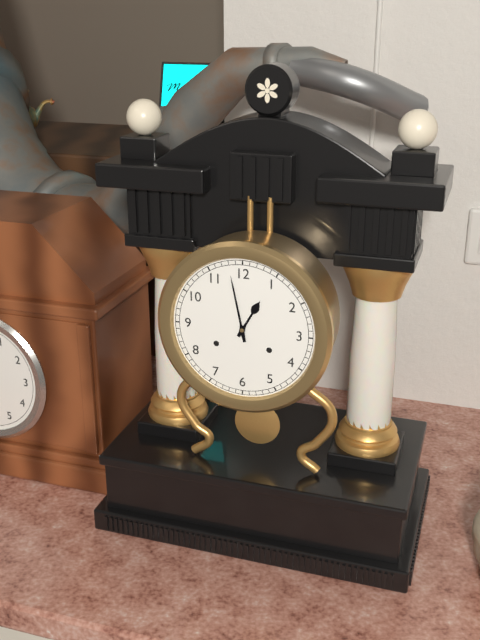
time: 12:58
